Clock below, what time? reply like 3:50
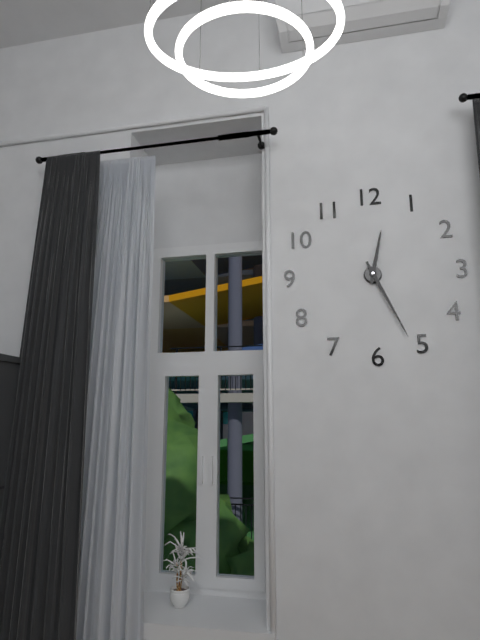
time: 12:26
